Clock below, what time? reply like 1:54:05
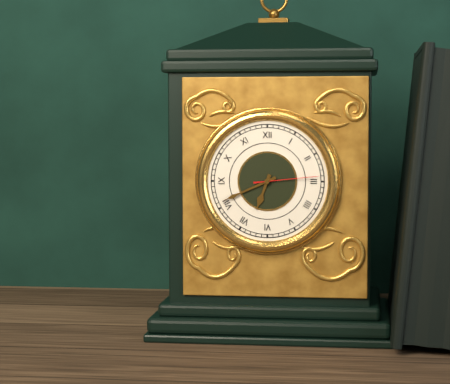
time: 6:41:14
